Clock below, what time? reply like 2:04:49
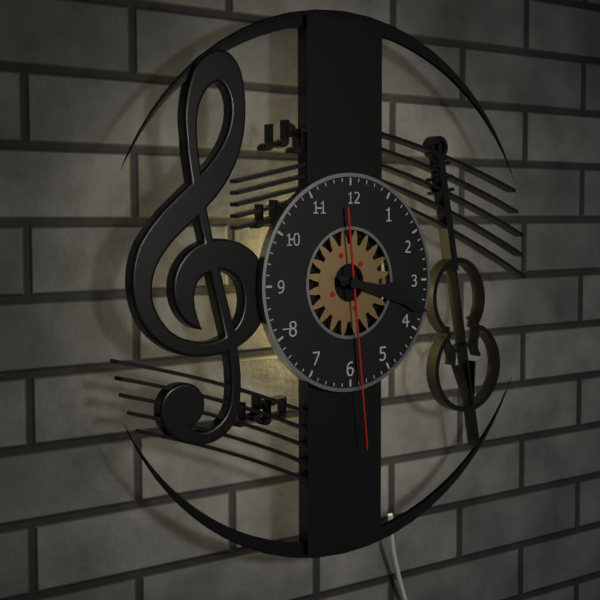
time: 3:18:29
